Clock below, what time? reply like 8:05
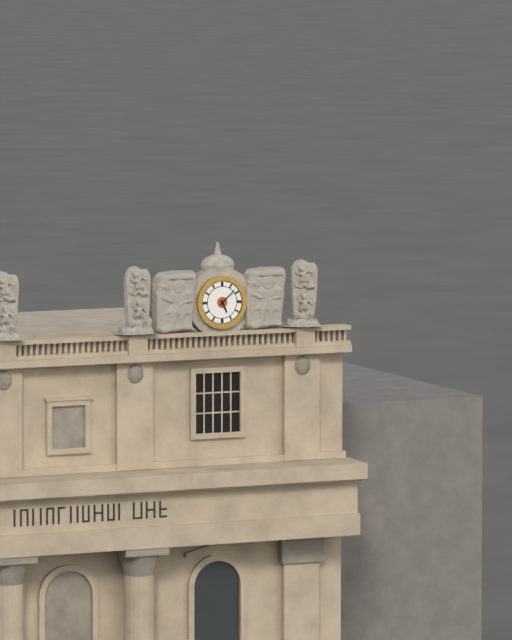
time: 5:08
